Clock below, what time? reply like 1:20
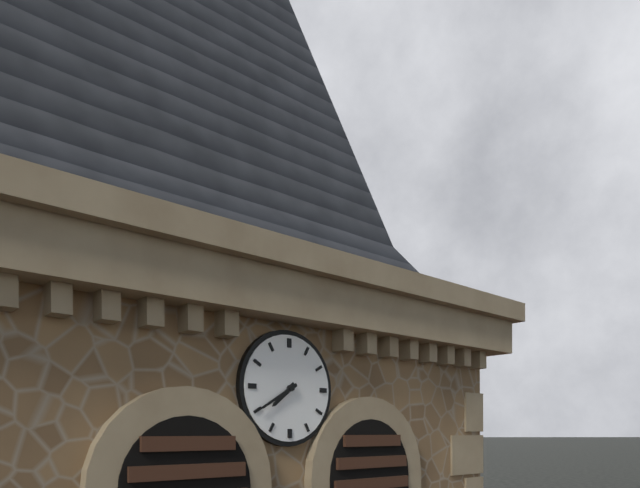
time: 7:40
